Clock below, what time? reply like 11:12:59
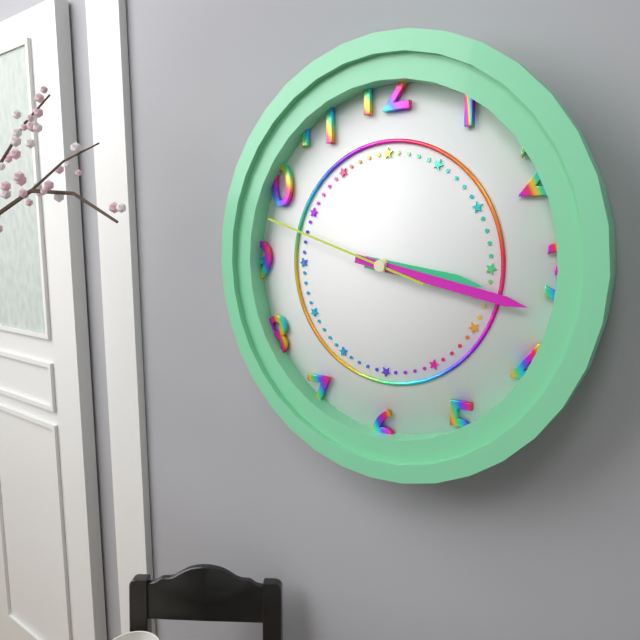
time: 3:17:48
